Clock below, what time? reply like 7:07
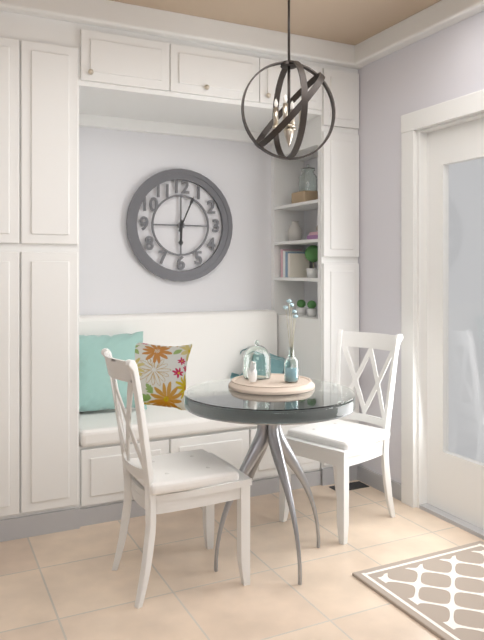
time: 6:04
